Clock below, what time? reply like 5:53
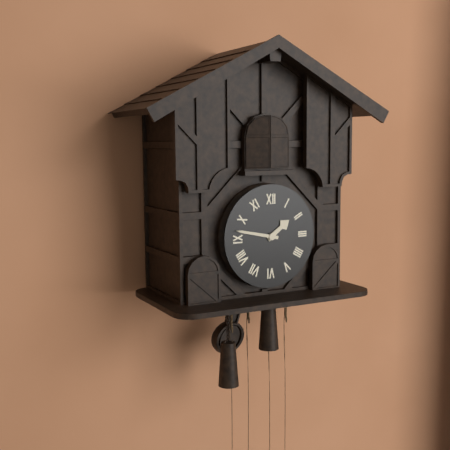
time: 1:47
